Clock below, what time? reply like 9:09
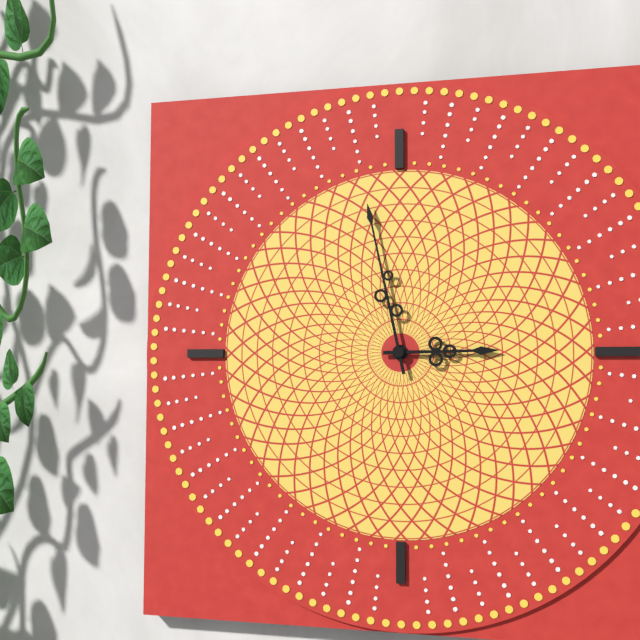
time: 2:58
